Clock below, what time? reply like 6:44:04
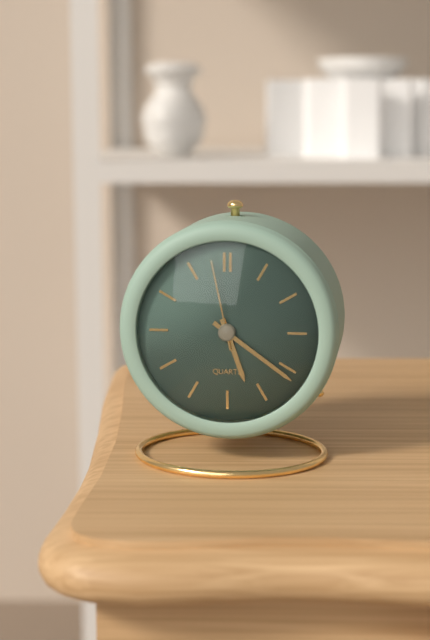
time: 5:21:58
